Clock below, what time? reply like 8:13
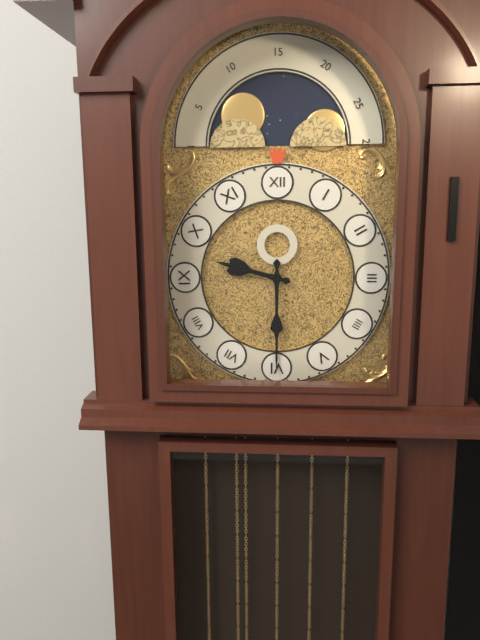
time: 9:30
